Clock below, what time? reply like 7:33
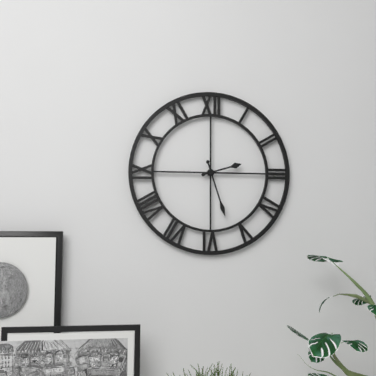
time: 2:27
